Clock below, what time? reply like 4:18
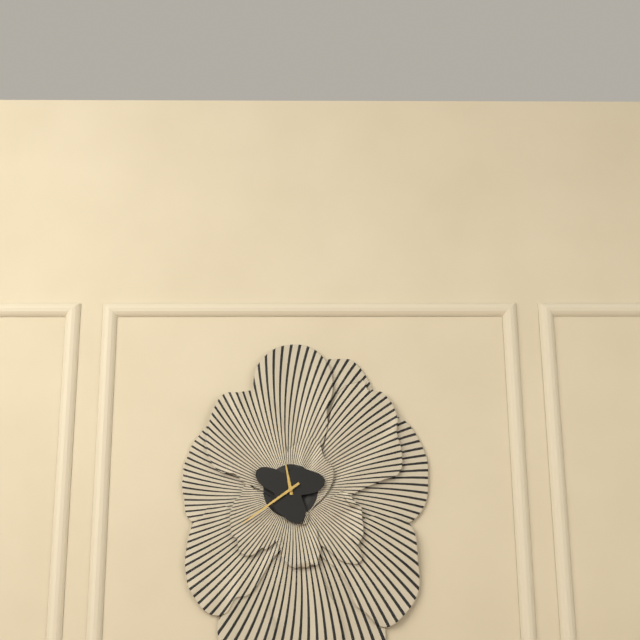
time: 11:39
